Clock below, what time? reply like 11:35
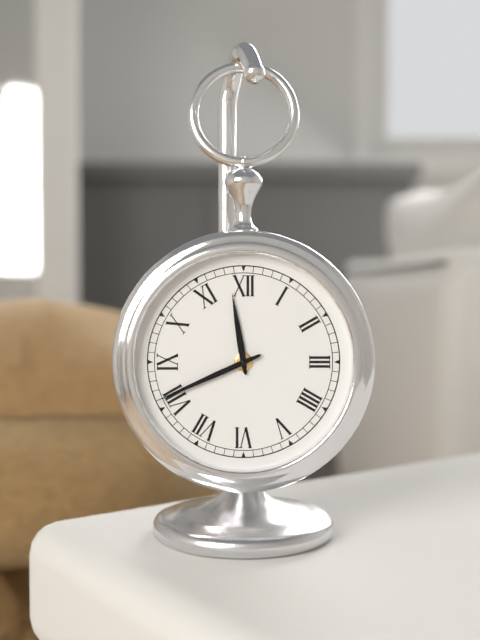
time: 11:41
